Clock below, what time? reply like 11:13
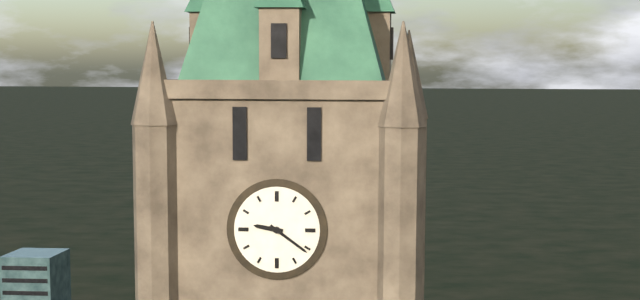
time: 9:21
